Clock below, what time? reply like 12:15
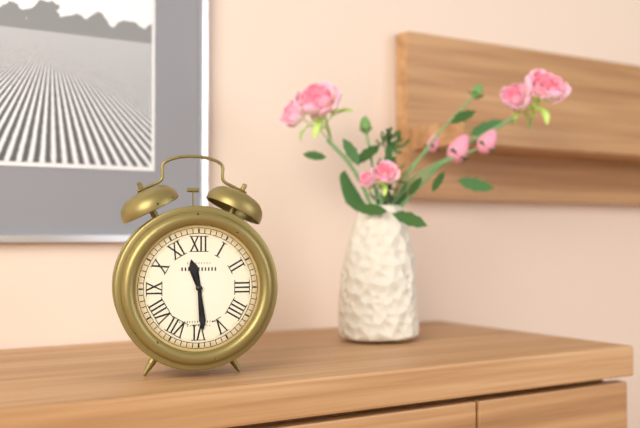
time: 11:29
